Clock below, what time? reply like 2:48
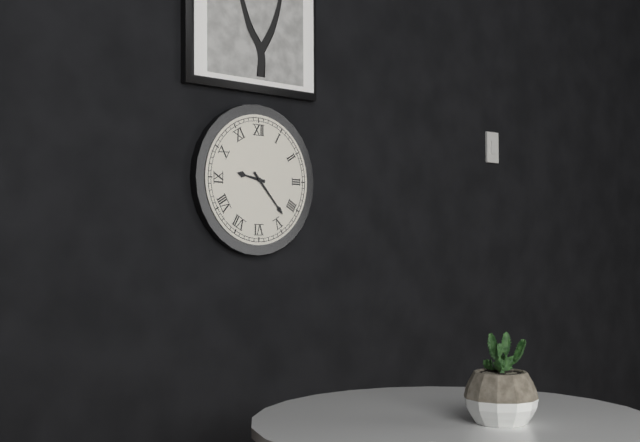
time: 9:23
